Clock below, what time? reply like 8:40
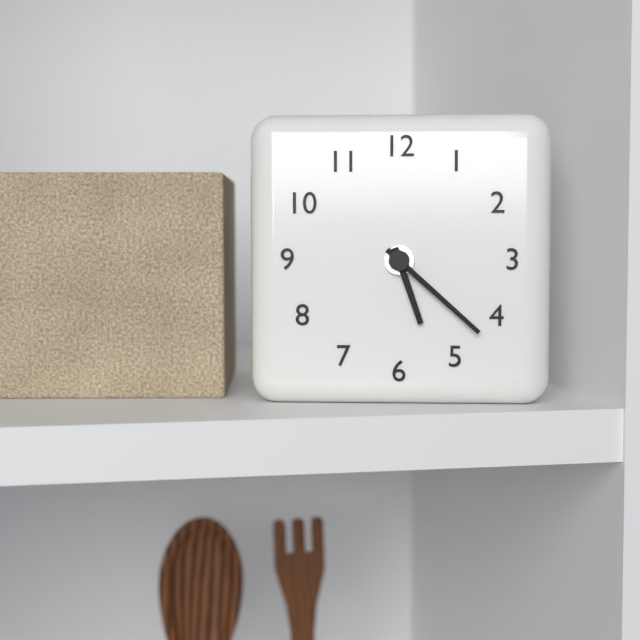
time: 5:22
